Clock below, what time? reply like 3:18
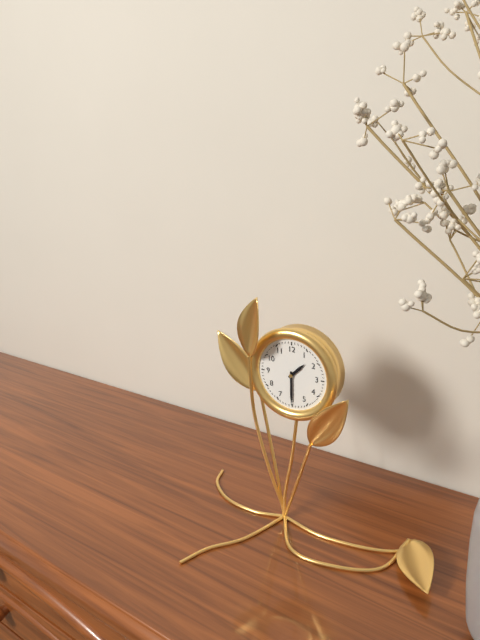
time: 1:30
